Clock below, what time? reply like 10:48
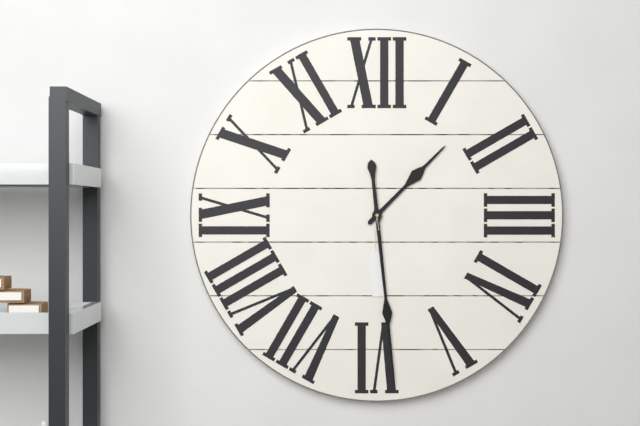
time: 1:29
